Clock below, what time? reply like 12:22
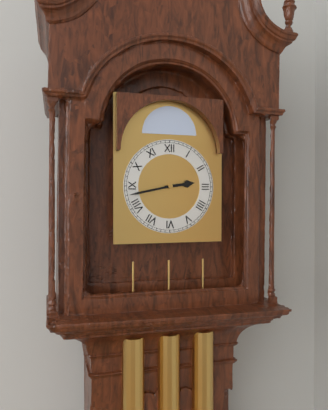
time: 2:43
